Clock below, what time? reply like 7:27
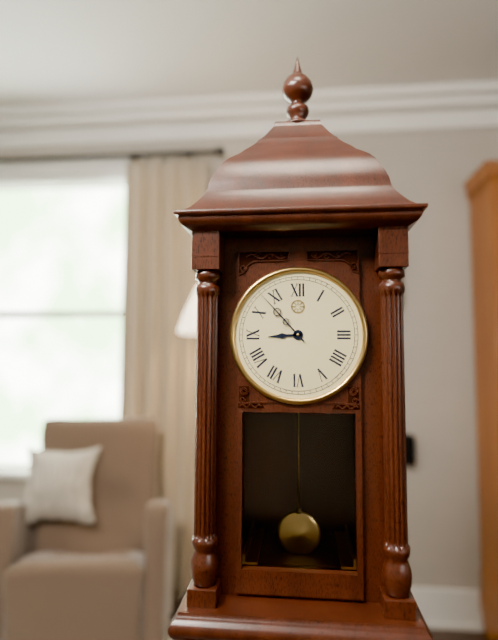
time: 8:53
